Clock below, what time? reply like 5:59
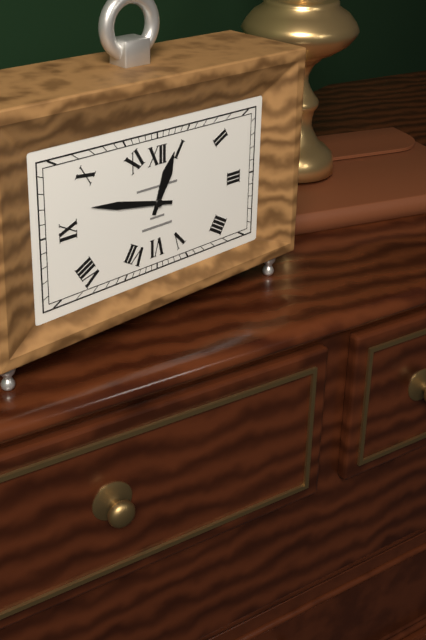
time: 12:47
